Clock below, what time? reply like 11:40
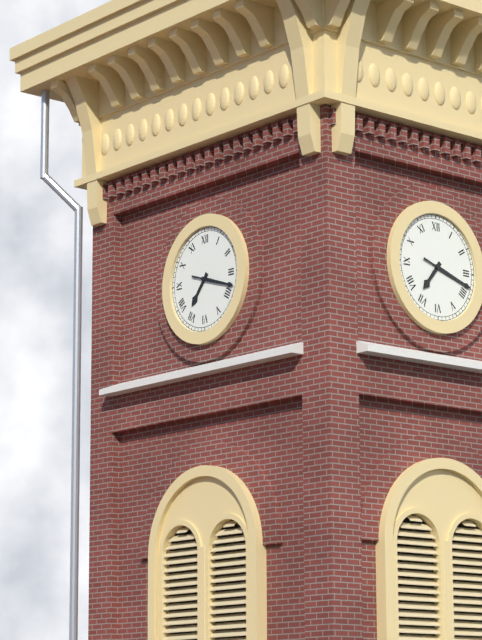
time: 7:18
